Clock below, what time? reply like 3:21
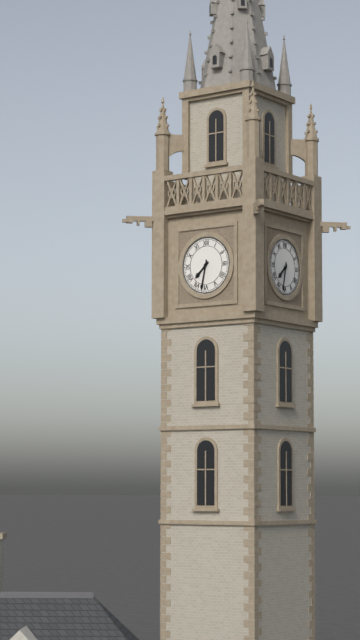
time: 7:32
